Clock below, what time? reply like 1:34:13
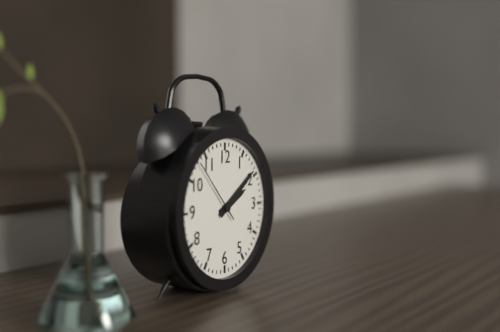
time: 2:09:53
